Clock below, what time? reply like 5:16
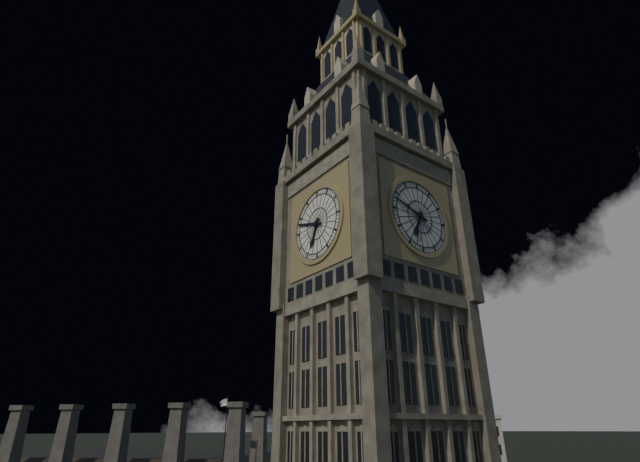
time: 6:48
